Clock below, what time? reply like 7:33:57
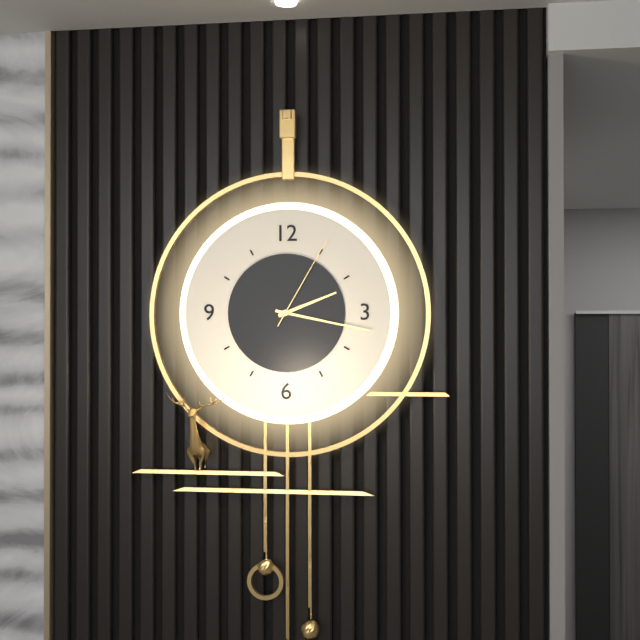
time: 2:17:05
